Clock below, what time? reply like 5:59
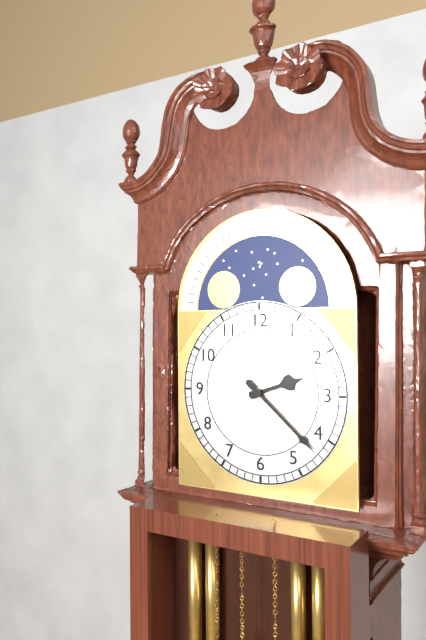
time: 2:22
